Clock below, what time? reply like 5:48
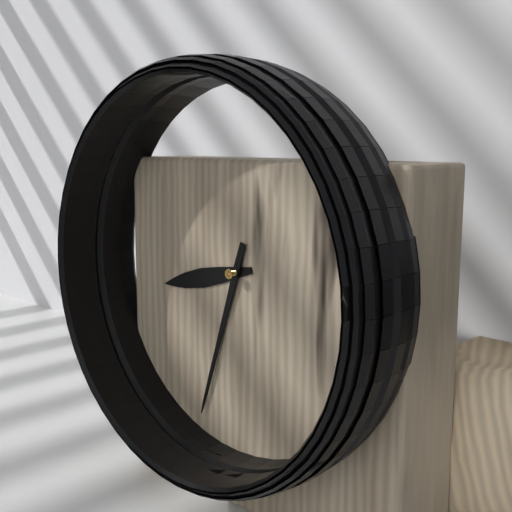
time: 8:33
